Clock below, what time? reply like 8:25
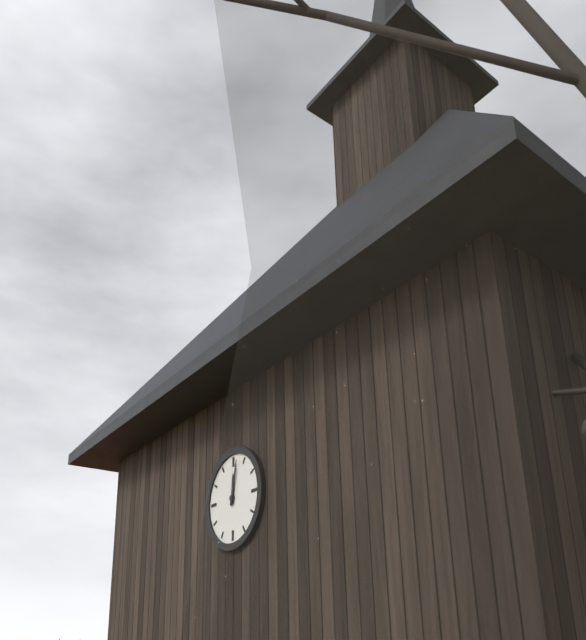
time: 12:02
